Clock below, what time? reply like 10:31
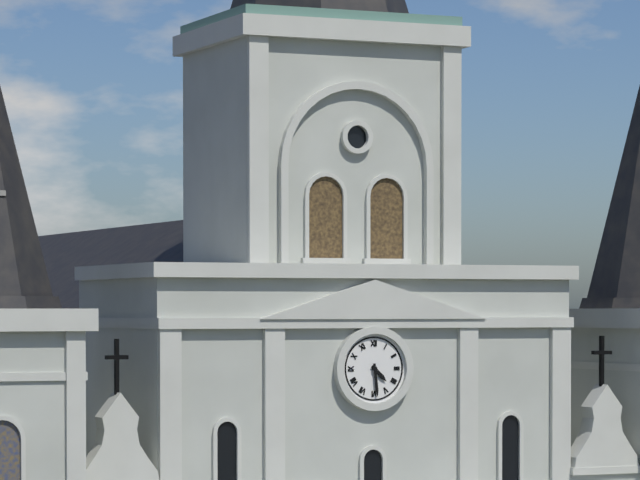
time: 4:29
